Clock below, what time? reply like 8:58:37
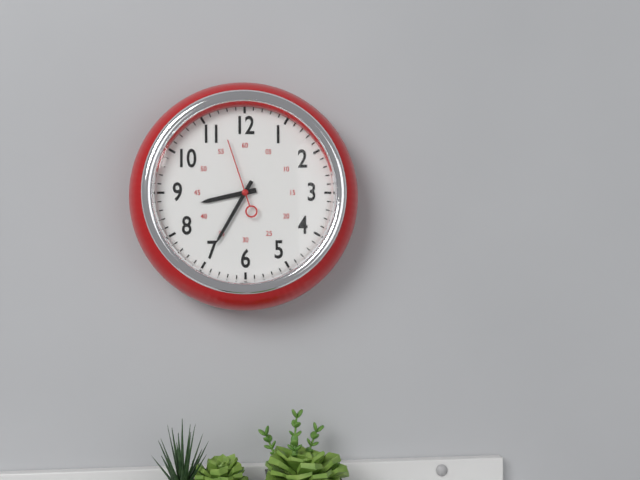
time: 8:35:57
